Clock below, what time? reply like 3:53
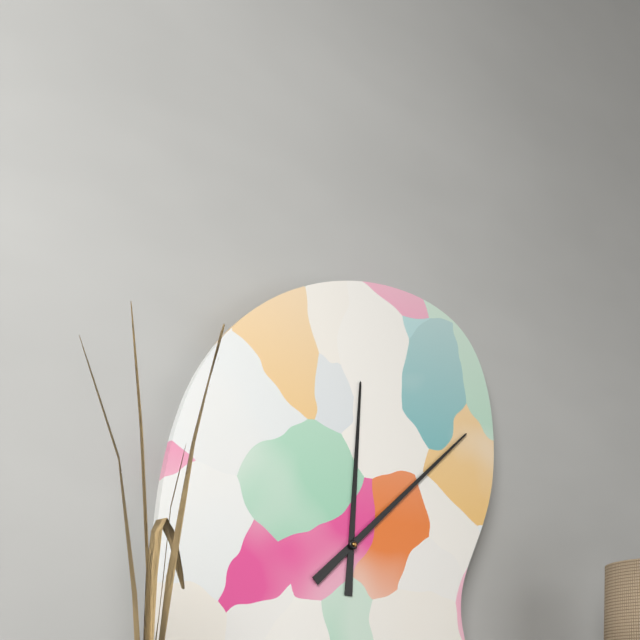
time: 12:08
